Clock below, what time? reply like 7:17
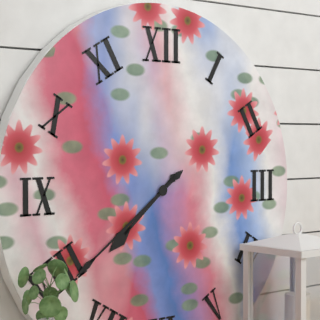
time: 7:39
